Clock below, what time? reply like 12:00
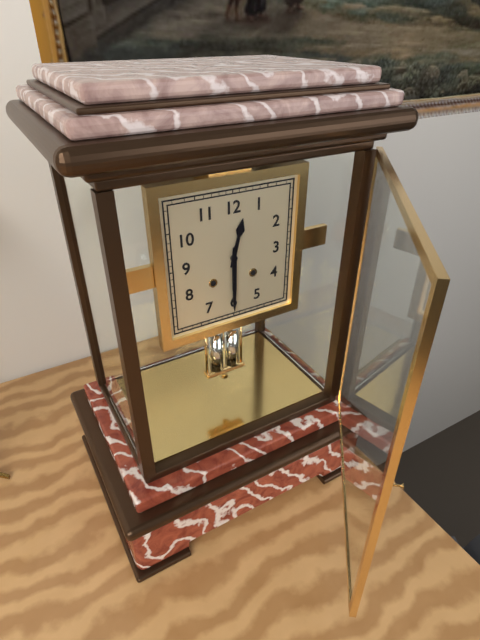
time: 12:30
